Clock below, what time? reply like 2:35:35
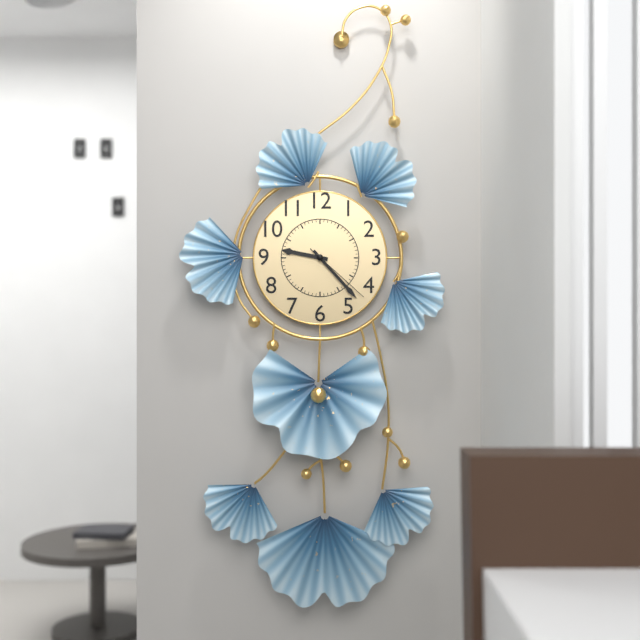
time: 9:23:22
